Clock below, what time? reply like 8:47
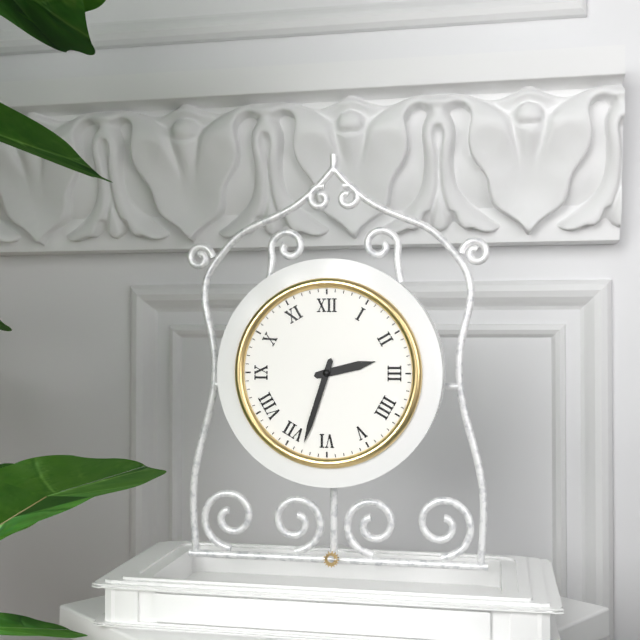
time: 2:33
